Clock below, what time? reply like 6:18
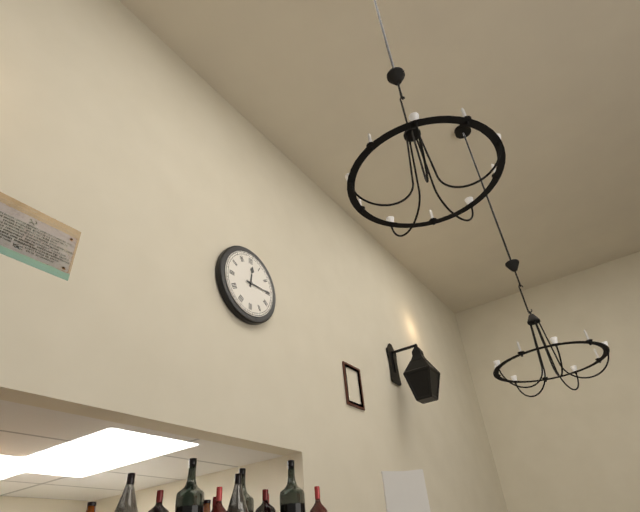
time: 12:15
